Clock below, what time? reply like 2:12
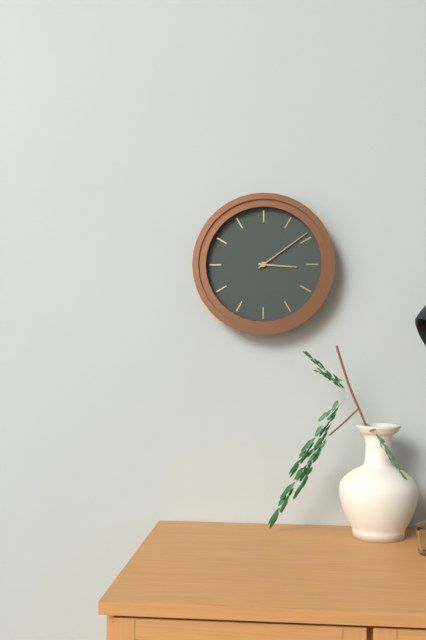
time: 3:09
